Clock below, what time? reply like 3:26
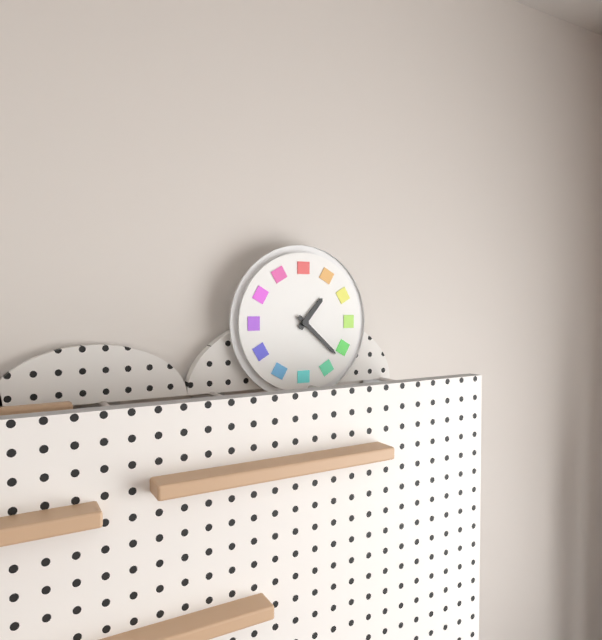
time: 1:22
